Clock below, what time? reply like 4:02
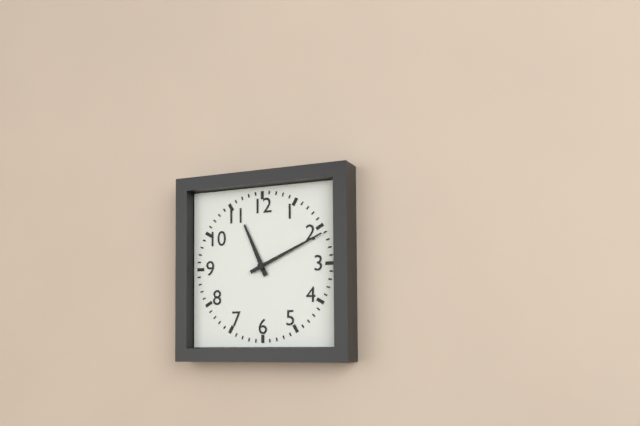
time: 11:11
